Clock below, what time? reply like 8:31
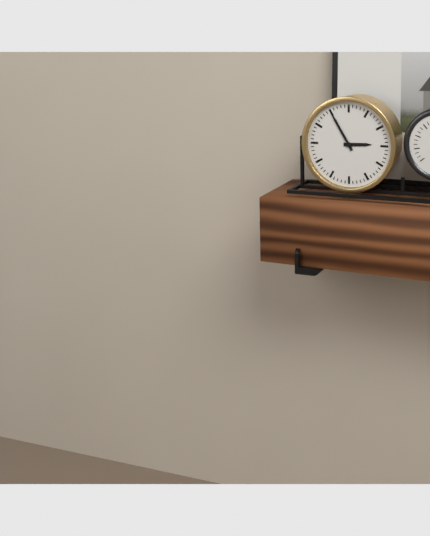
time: 2:55
